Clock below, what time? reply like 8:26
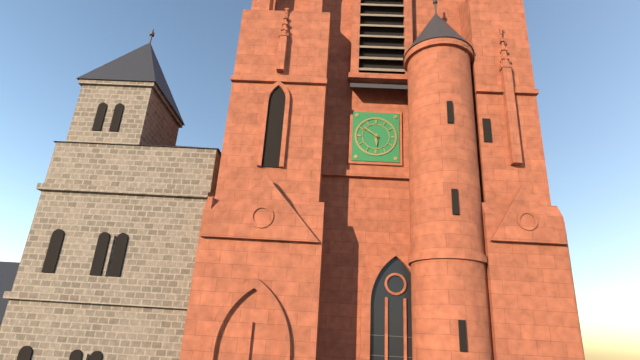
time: 5:51
